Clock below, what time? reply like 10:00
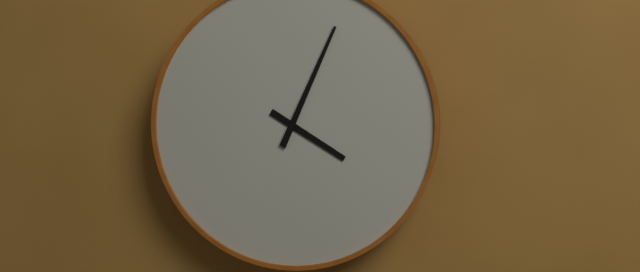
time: 4:04
